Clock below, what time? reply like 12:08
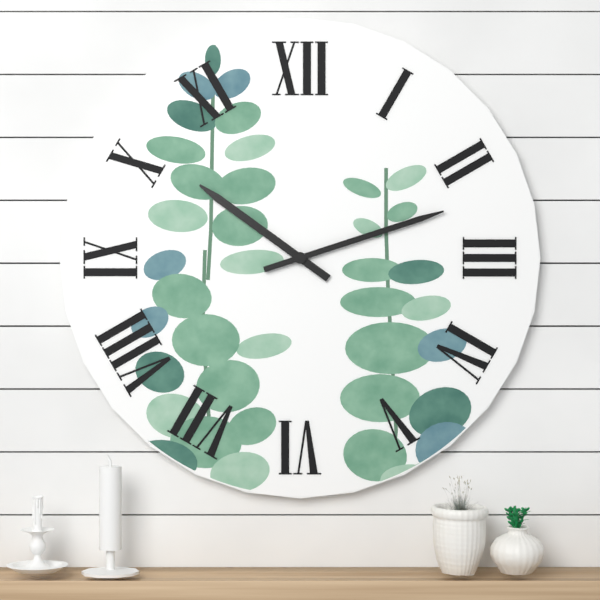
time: 10:12
